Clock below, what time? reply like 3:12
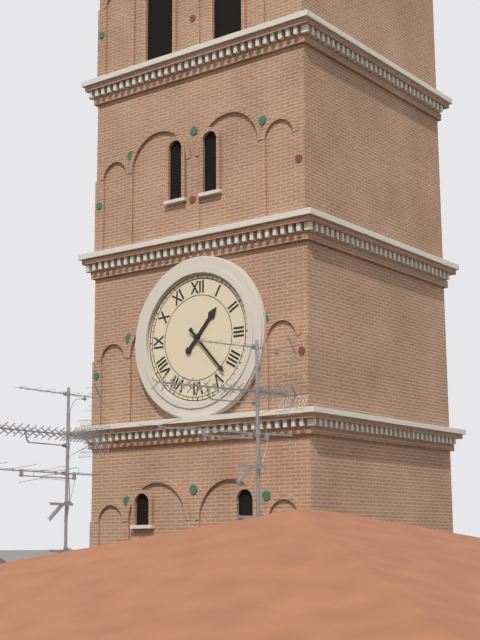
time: 1:23
